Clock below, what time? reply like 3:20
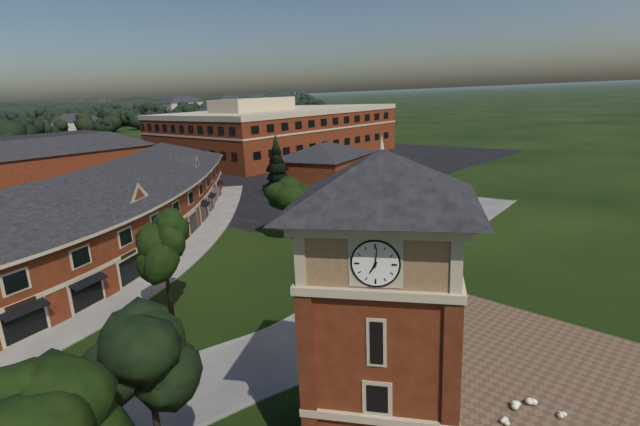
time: 7:01
